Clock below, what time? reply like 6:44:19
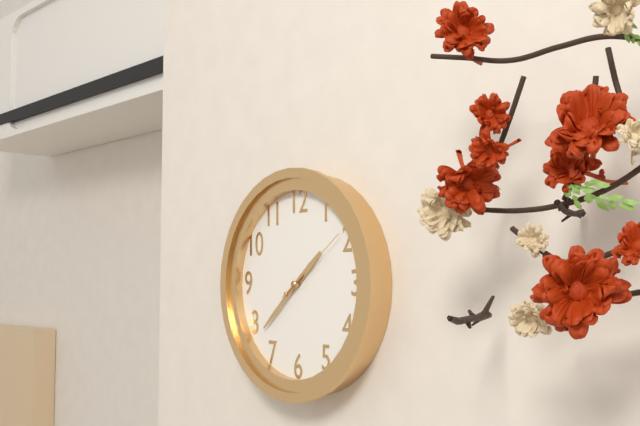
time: 1:38:09
